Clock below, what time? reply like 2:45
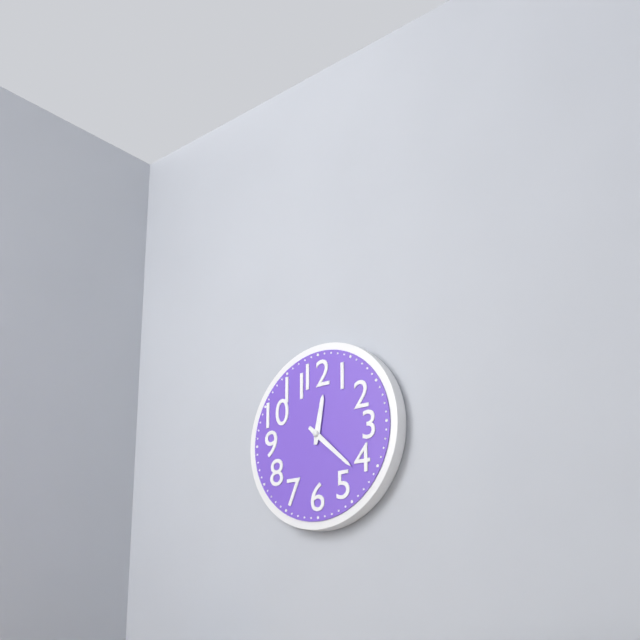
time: 12:22
